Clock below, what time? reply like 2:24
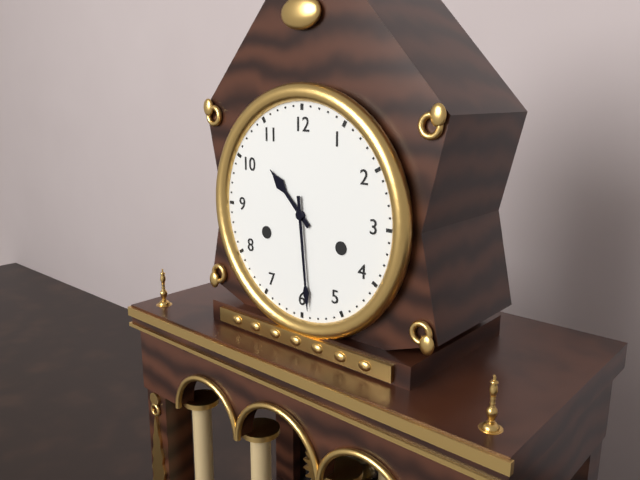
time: 10:29
